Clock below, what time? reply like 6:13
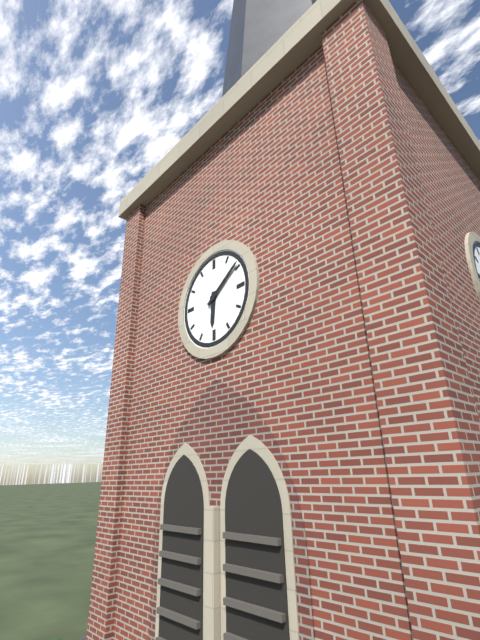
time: 6:09
